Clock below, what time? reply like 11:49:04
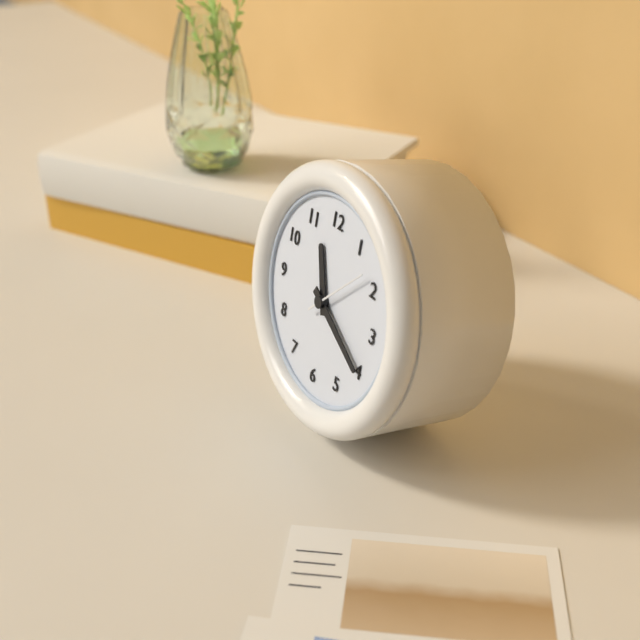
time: 11:20:08
